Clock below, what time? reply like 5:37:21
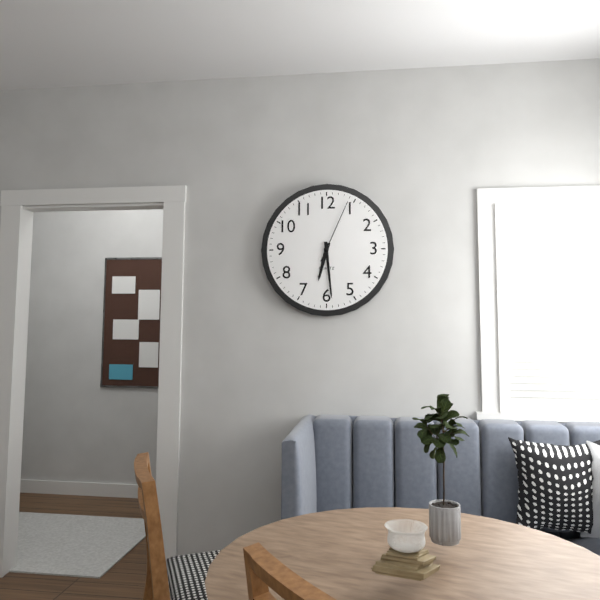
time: 6:29:04
